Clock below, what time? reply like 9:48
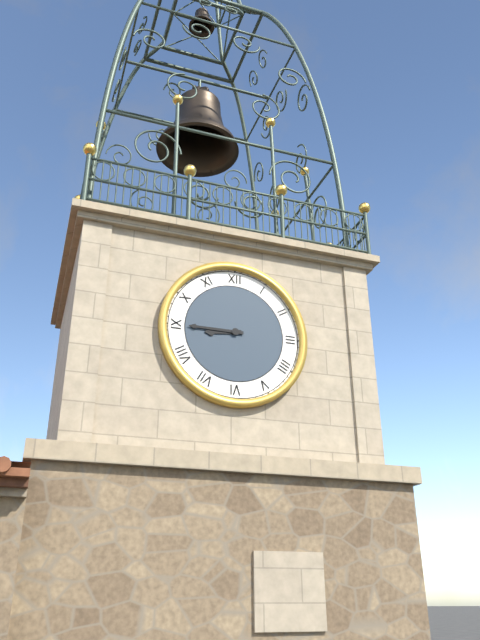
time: 8:45
